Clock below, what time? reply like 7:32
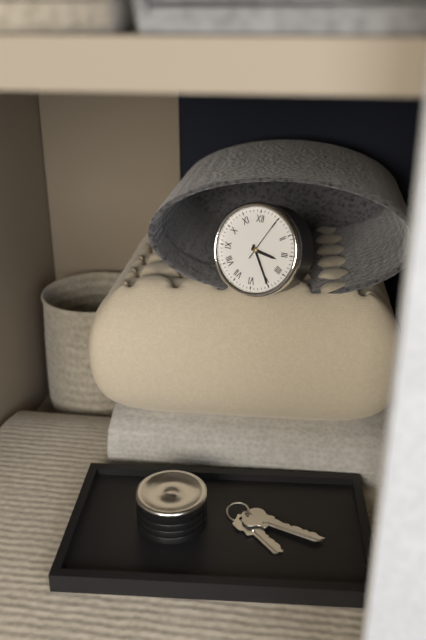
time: 3:25
